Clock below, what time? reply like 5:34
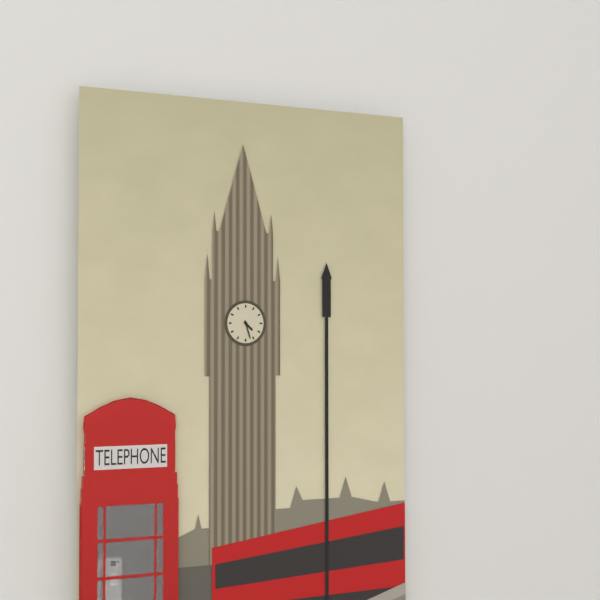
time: 4:27
